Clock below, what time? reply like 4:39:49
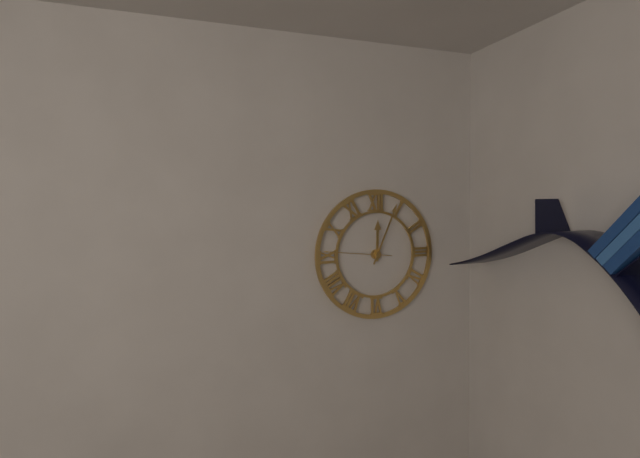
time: 12:04:46
